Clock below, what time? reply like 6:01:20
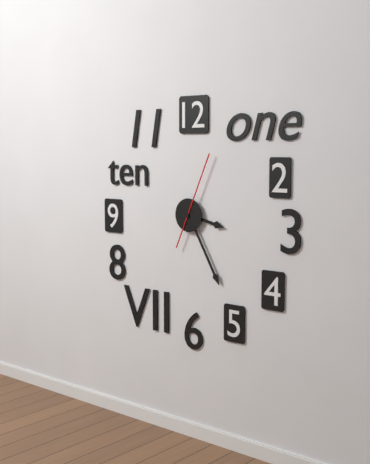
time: 3:25:04
